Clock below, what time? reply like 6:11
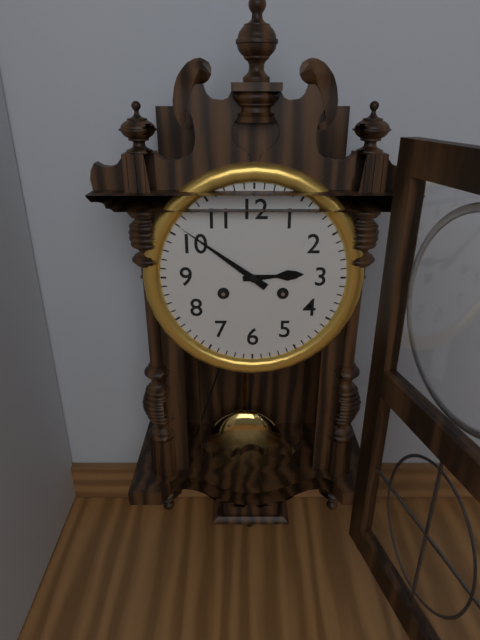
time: 2:51
